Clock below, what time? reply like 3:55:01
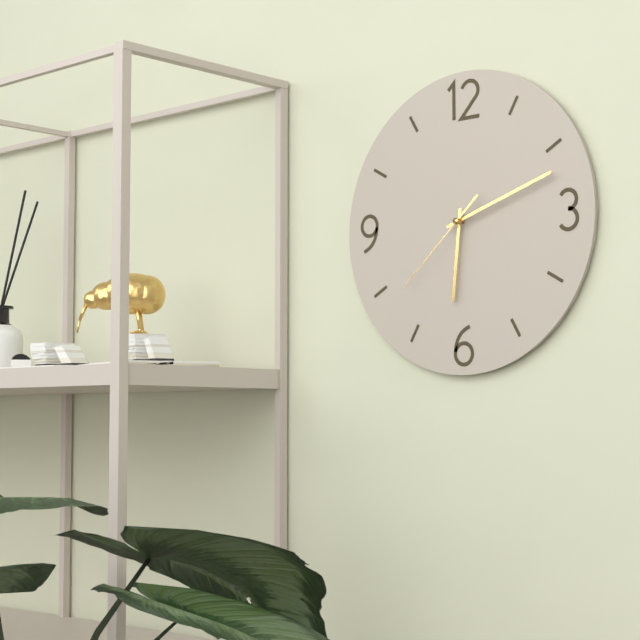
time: 6:12:38
